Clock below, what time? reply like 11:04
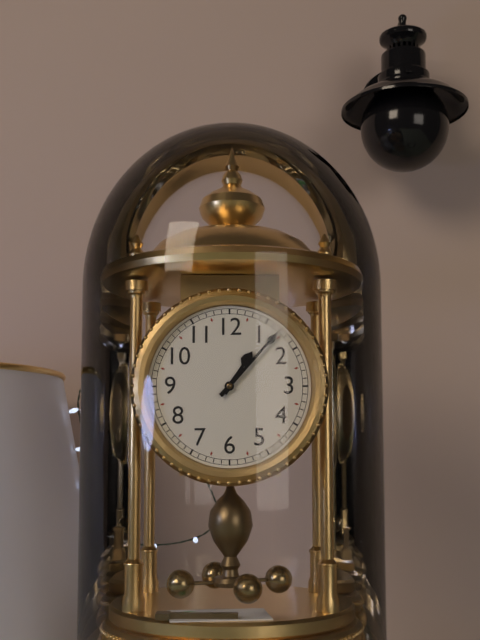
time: 1:07
